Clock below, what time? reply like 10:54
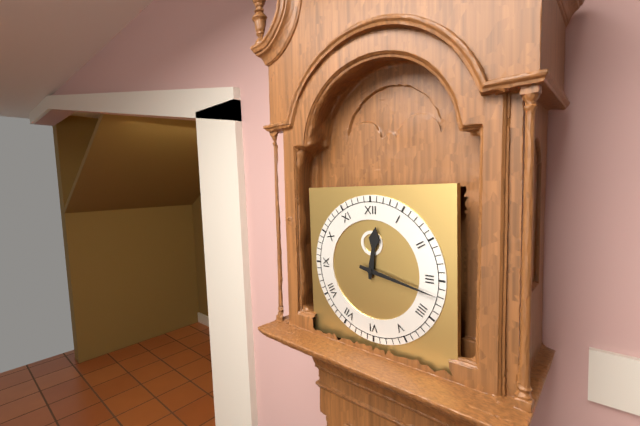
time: 12:17
